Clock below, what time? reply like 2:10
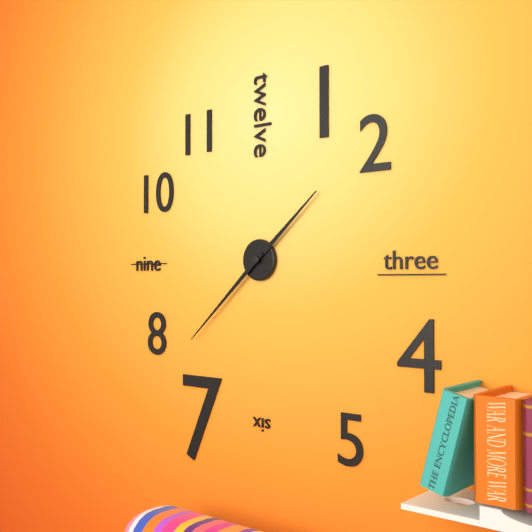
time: 1:38
